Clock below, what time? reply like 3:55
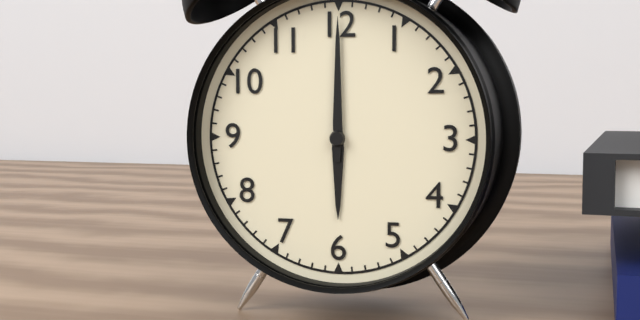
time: 6:00
